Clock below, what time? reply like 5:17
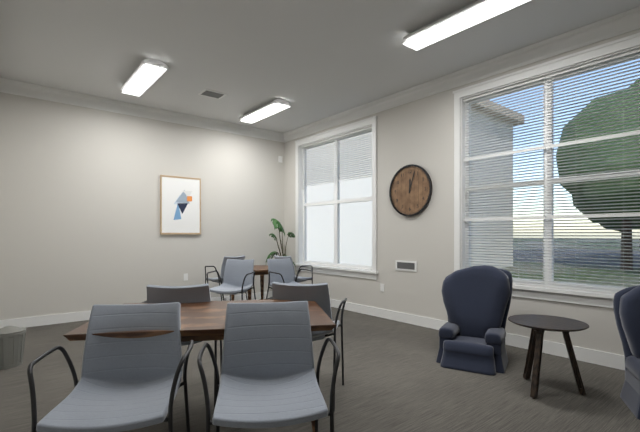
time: 12:03
